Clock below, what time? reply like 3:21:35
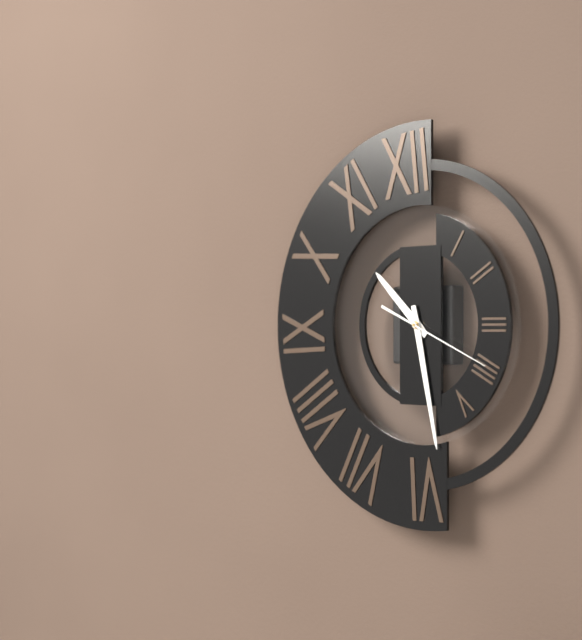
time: 10:28:19
